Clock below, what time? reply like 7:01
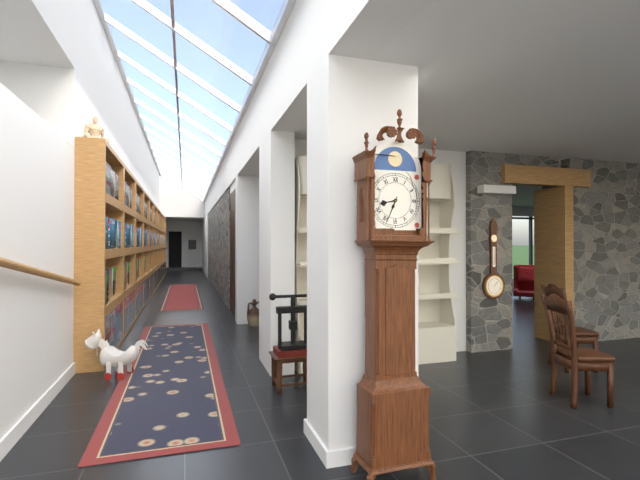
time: 8:34
